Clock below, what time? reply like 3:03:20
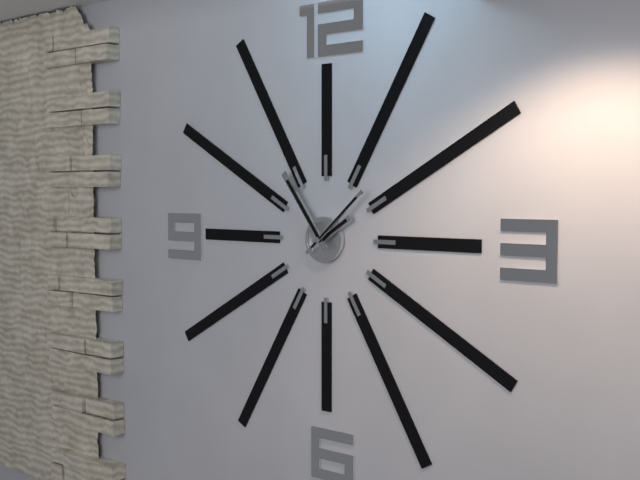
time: 1:54:08
